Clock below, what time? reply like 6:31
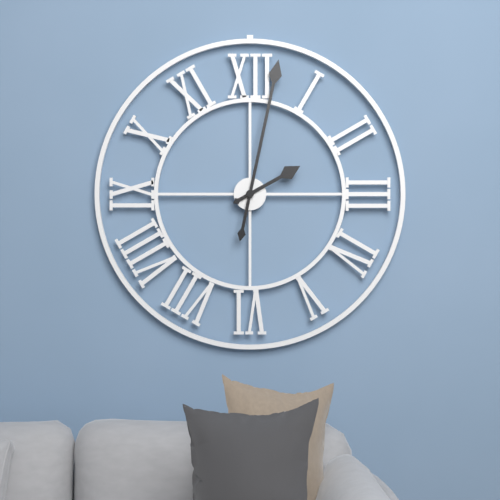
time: 2:02
